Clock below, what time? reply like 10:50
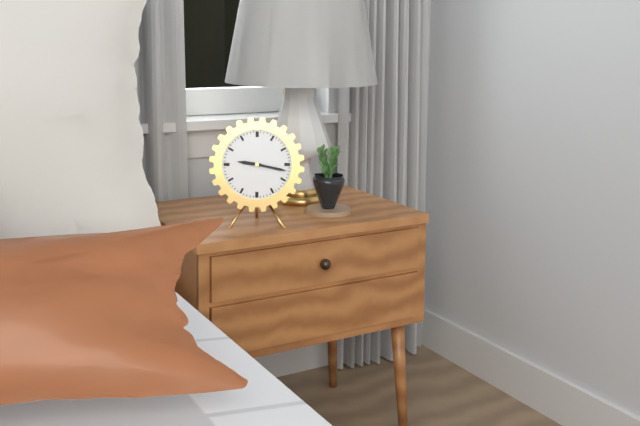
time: 9:17
